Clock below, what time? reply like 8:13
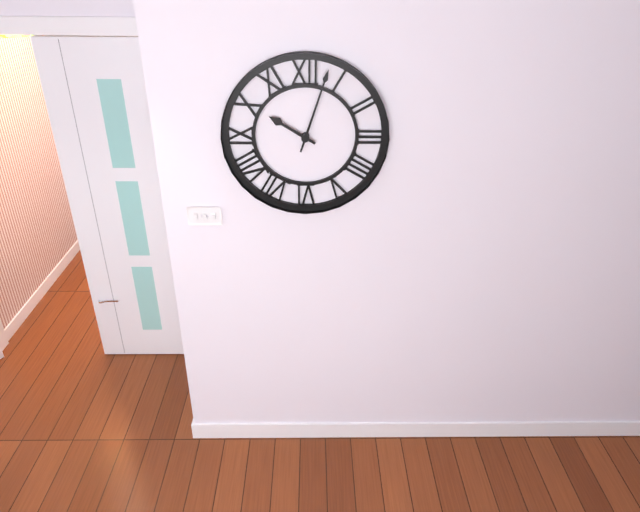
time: 10:03
